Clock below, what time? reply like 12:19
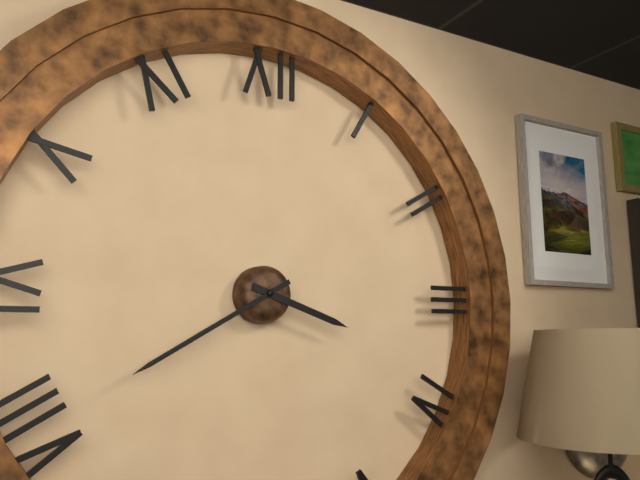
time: 3:40
